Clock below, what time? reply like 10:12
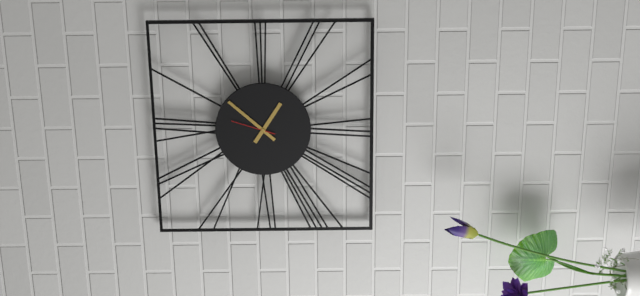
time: 4:07
